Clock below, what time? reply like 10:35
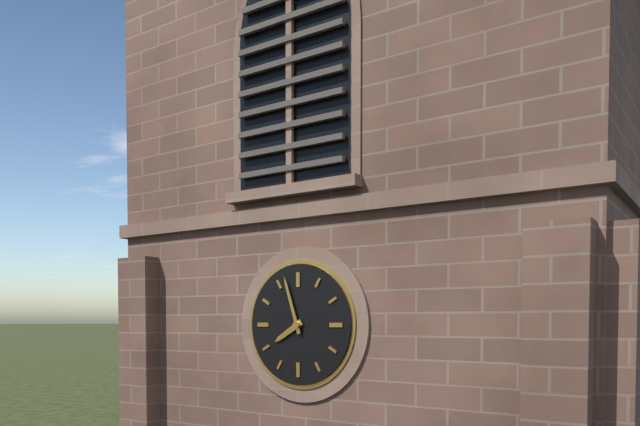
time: 7:57
